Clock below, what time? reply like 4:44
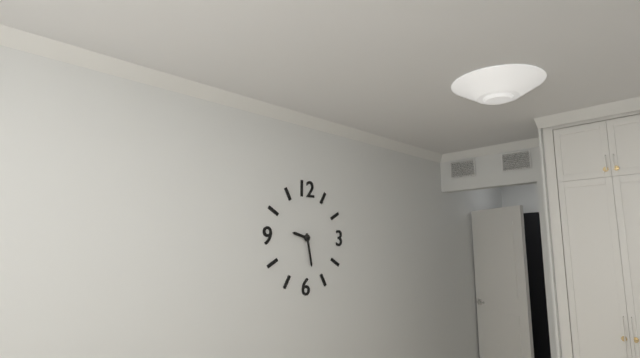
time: 9:28
